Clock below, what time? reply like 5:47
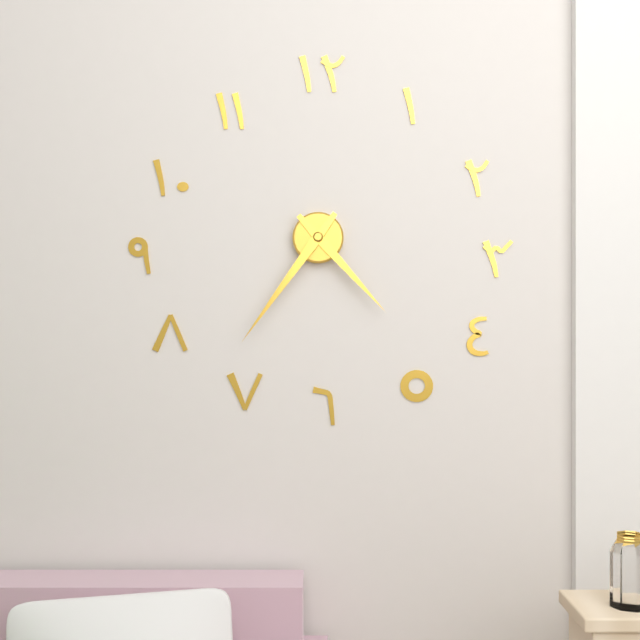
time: 4:36
